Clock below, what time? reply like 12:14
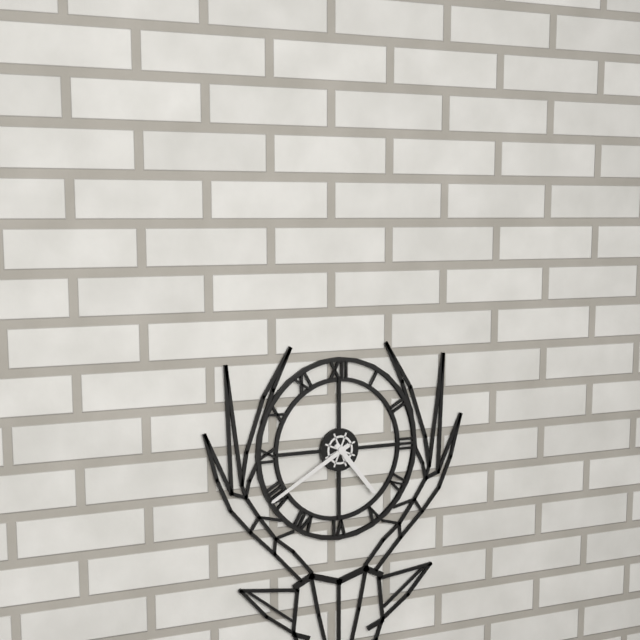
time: 4:40
